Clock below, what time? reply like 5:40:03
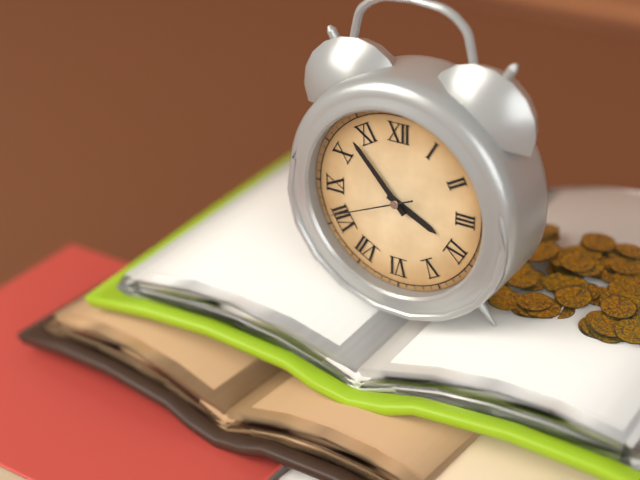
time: 3:53:41
